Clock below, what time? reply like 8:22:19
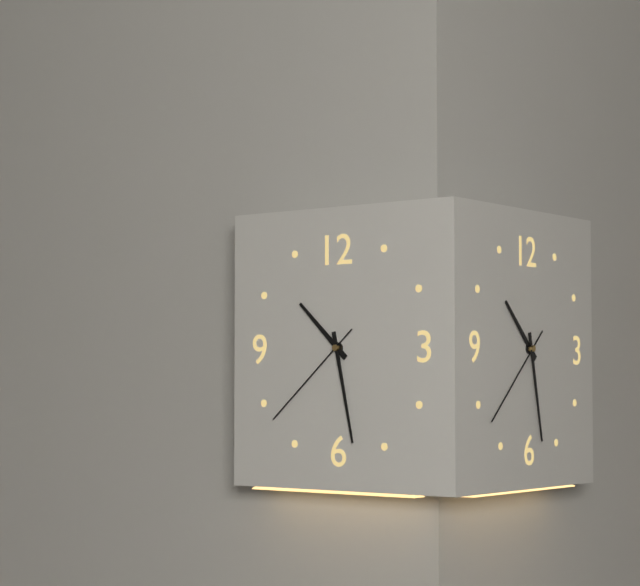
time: 10:28:38
